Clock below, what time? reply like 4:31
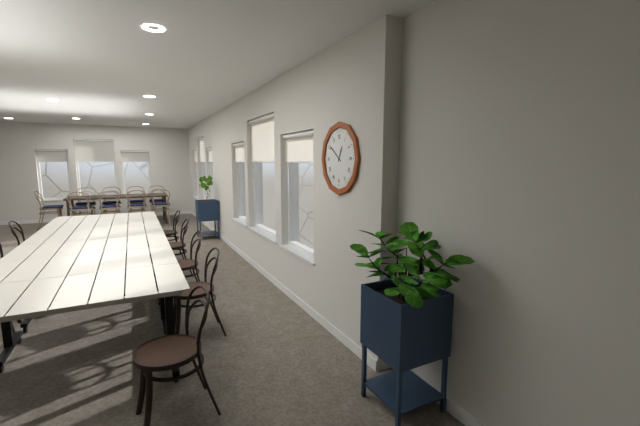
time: 12:51
